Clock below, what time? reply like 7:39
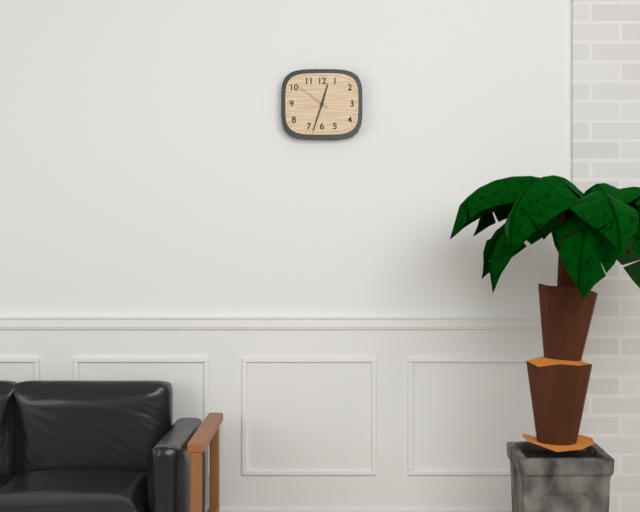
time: 12:33
